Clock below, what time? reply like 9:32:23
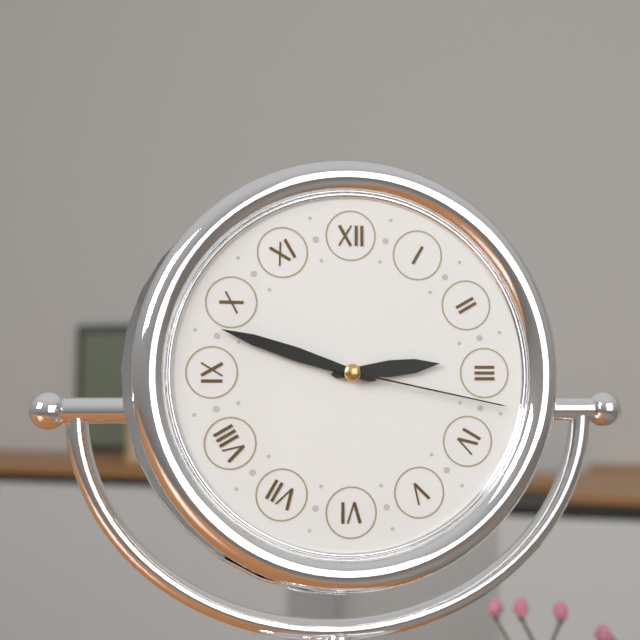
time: 2:48:17
